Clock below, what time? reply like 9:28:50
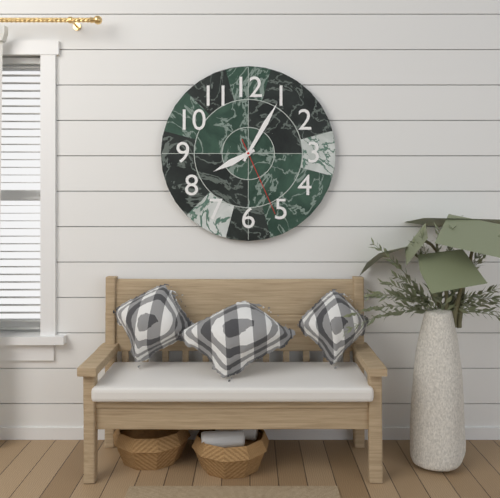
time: 8:05:26
